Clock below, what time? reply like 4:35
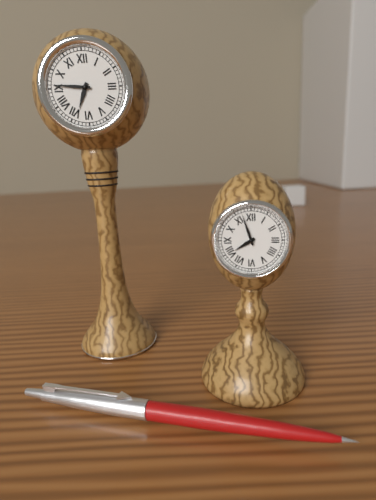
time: 6:46
